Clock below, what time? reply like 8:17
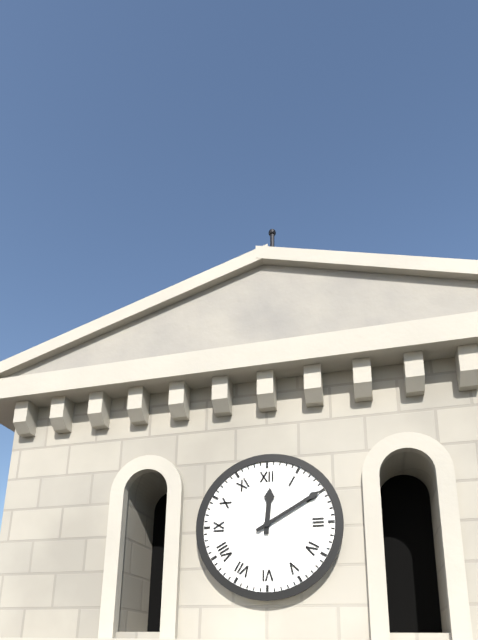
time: 12:10
